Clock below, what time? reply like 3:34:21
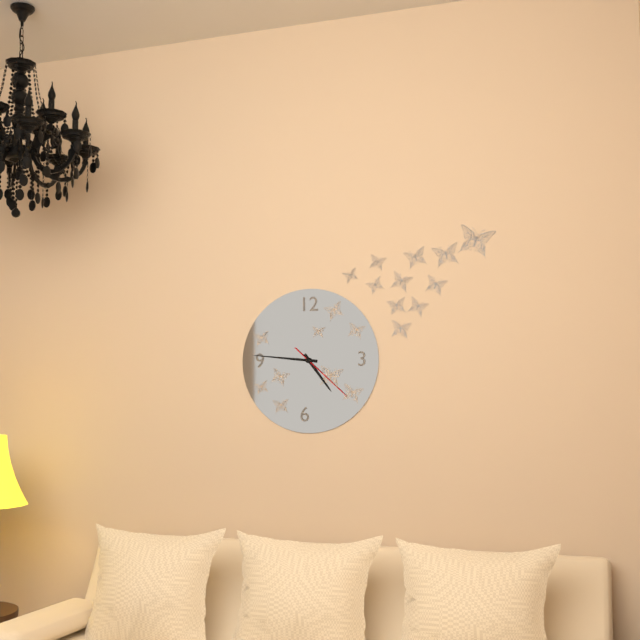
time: 4:46:22
